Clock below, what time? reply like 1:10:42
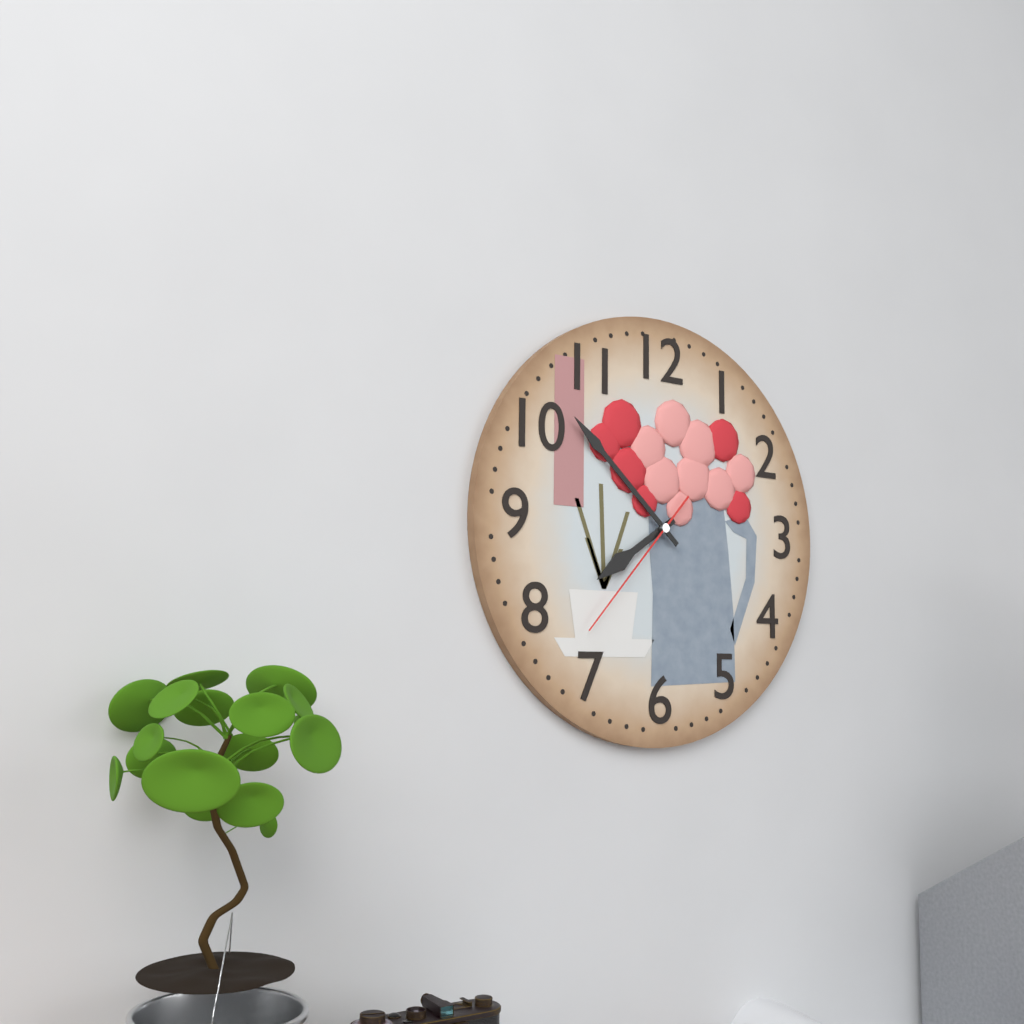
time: 7:52:37
